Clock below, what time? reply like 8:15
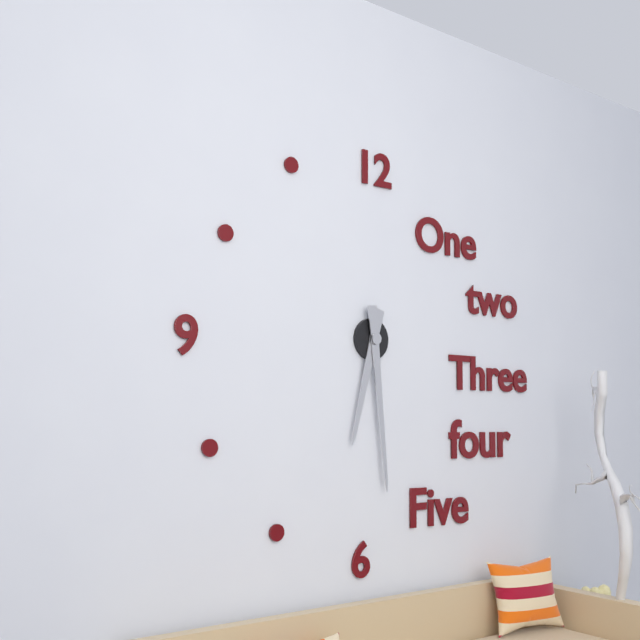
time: 6:29
